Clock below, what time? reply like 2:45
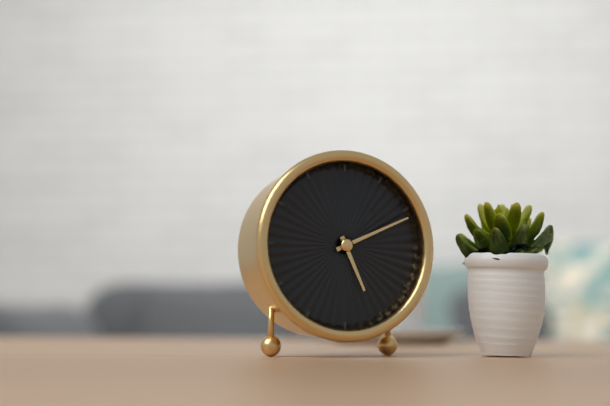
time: 5:11
